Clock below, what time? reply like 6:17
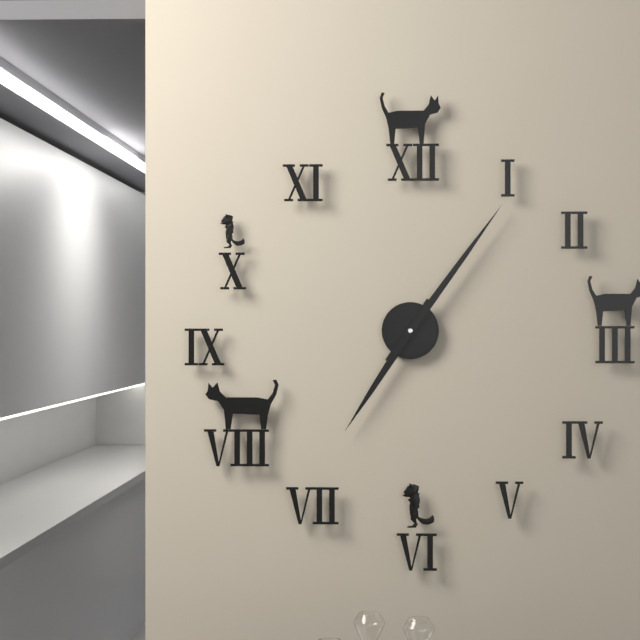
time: 7:06
